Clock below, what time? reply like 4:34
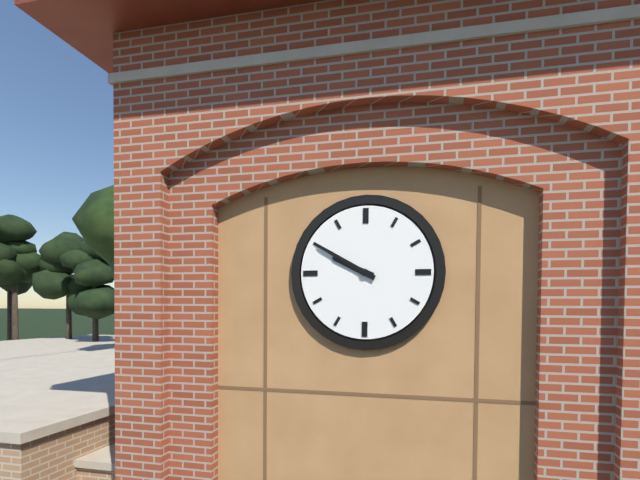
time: 9:50
